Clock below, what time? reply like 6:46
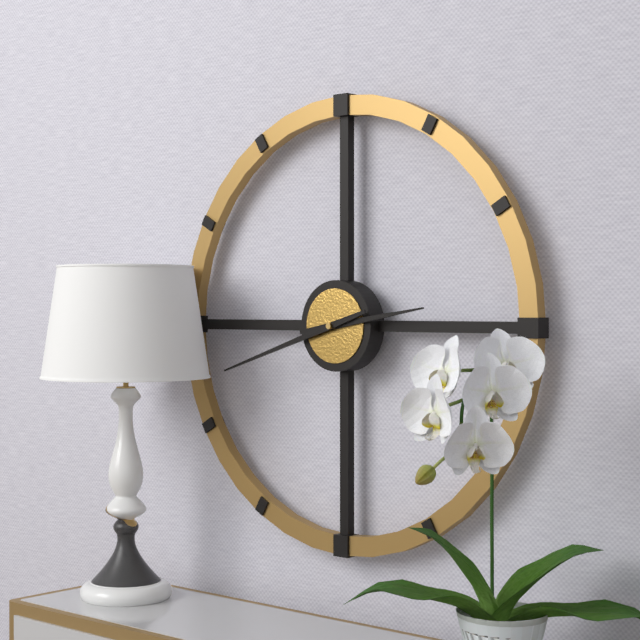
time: 2:42
